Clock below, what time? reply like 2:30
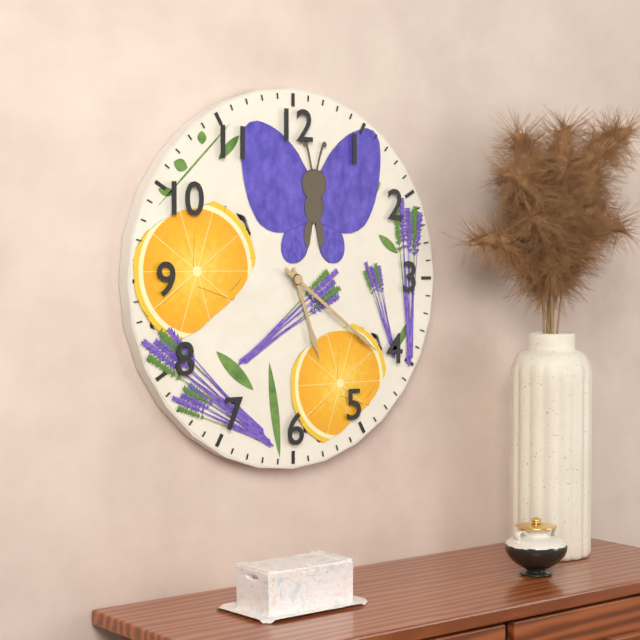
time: 5:21
